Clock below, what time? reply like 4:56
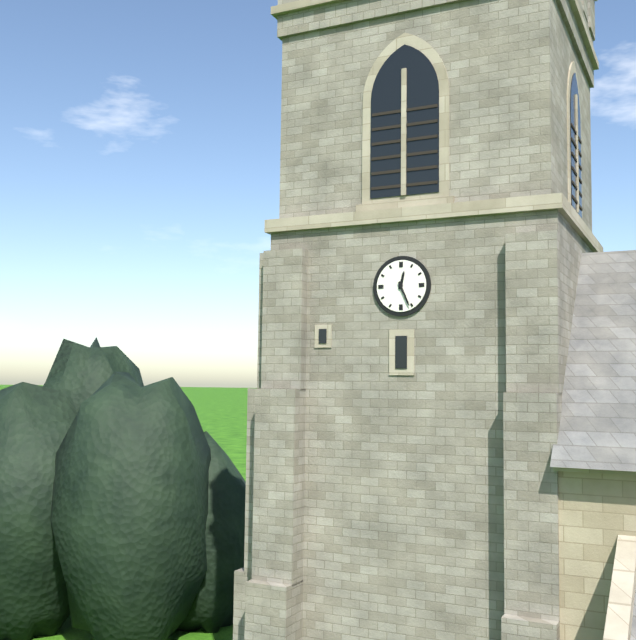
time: 12:26
